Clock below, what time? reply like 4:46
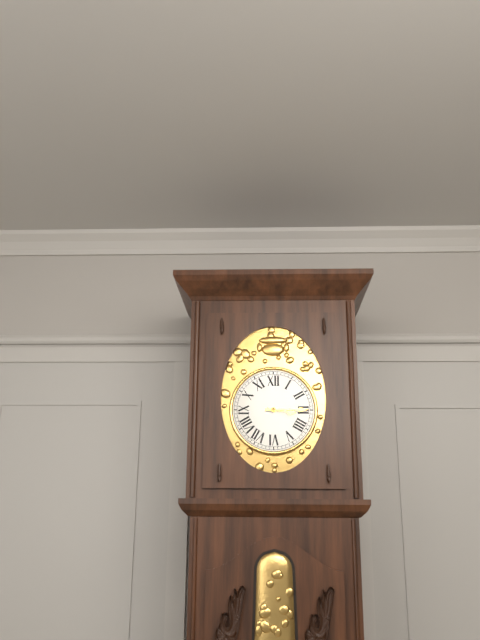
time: 3:15
